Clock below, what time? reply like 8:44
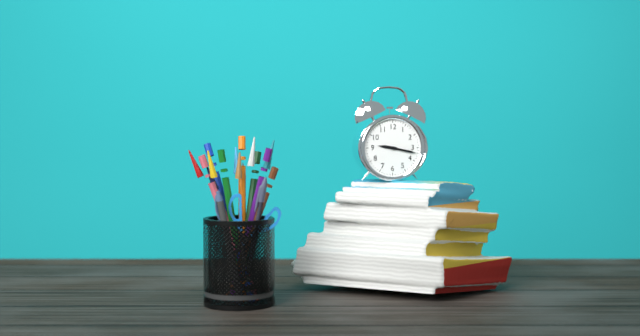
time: 9:17
